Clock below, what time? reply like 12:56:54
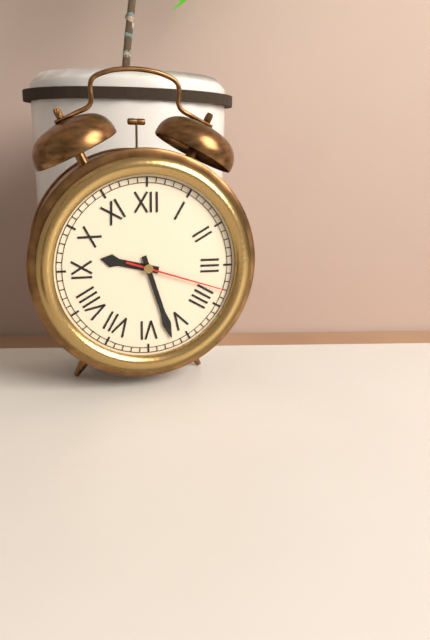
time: 9:27:18
